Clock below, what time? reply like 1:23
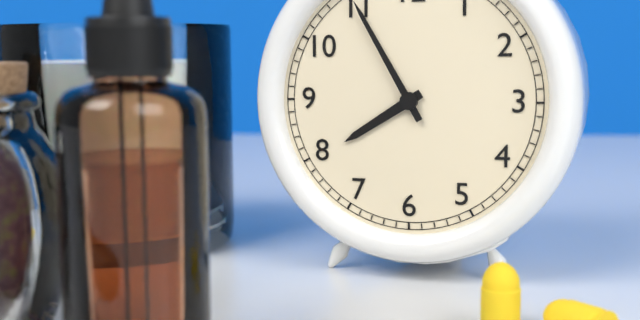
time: 7:55
